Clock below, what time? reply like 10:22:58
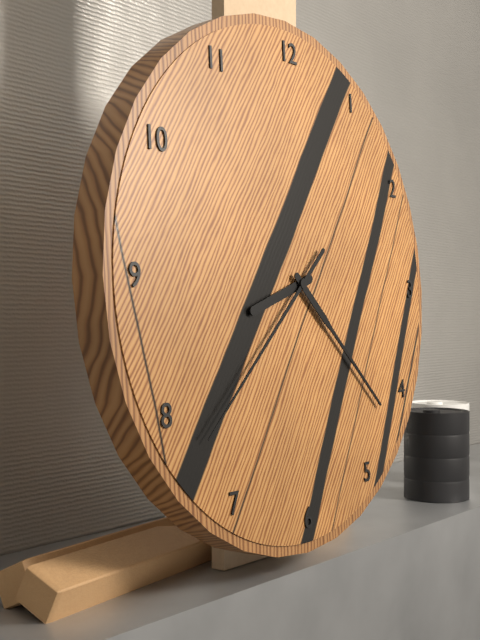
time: 8:22:38
